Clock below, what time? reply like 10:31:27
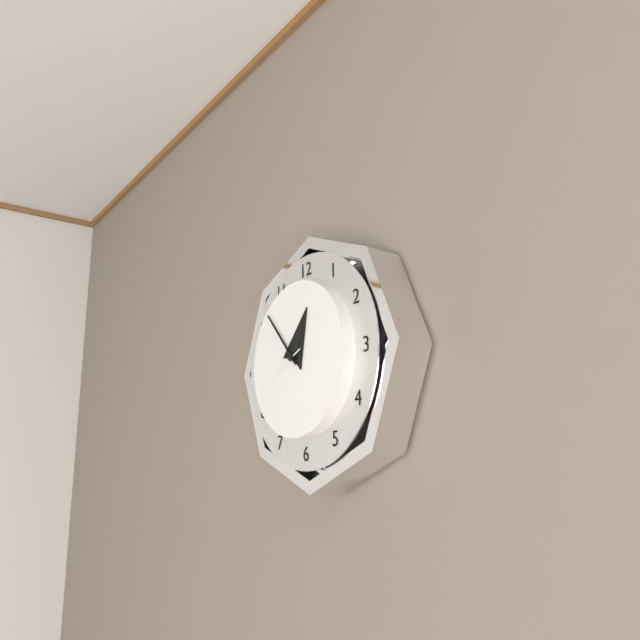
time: 12:53:41
